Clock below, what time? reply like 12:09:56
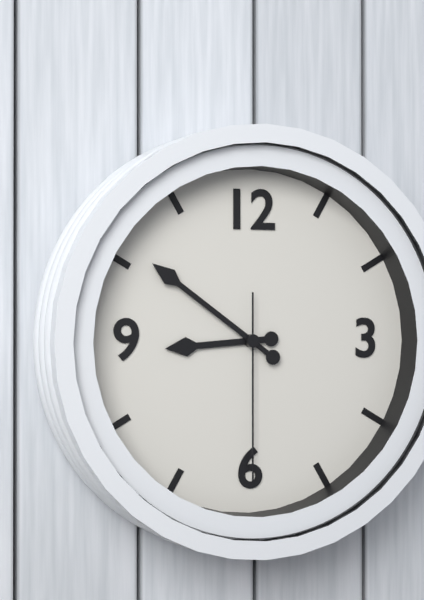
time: 8:51:30
